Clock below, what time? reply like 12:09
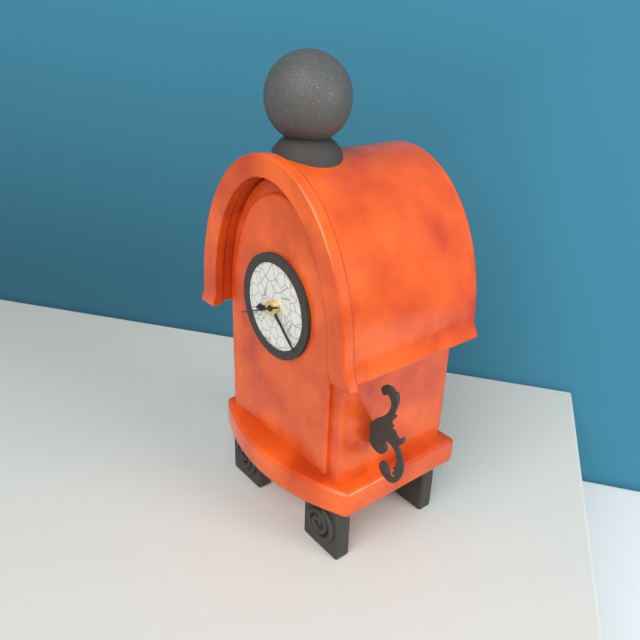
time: 8:22
